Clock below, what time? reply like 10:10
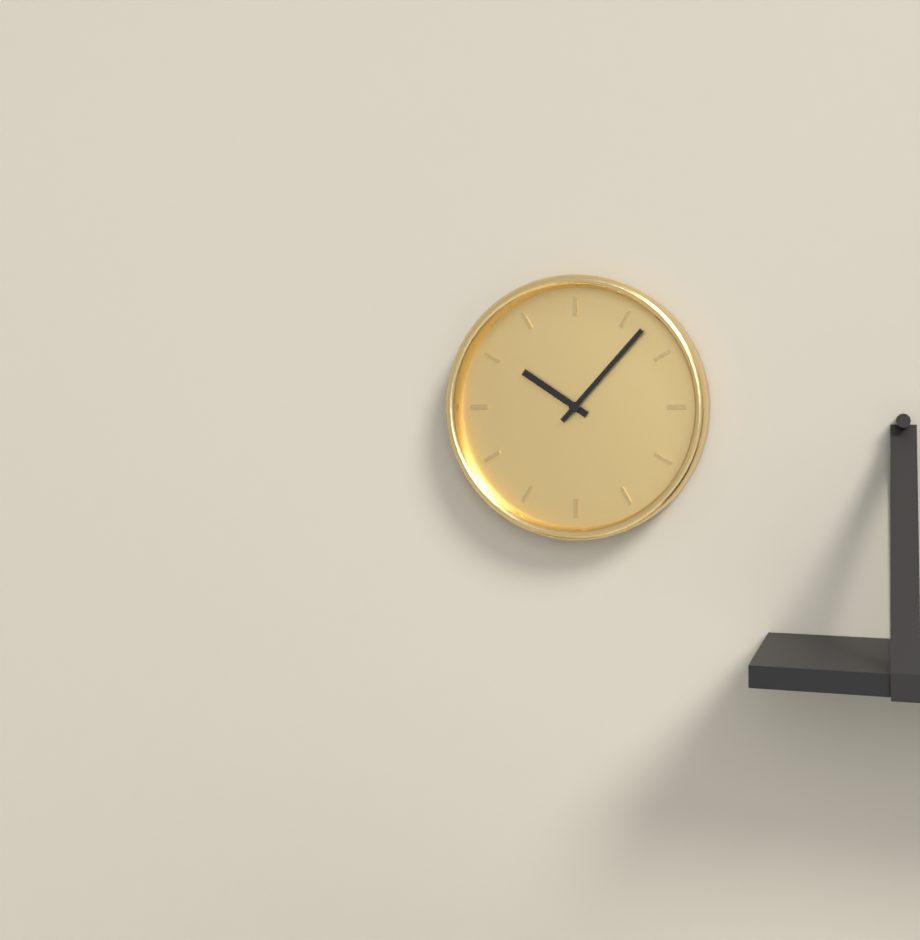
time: 10:07
